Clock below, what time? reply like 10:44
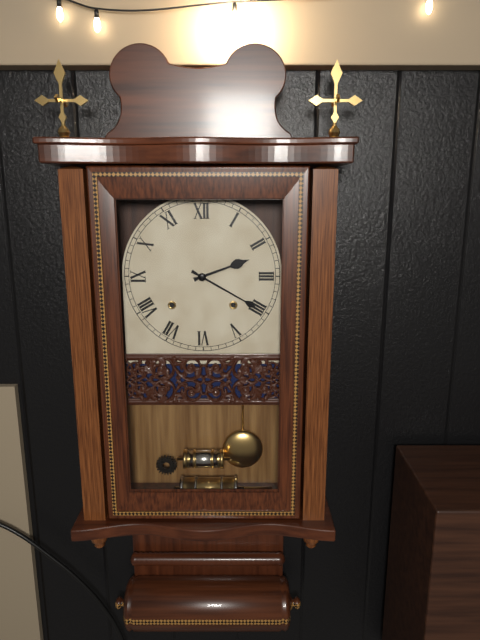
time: 2:20
